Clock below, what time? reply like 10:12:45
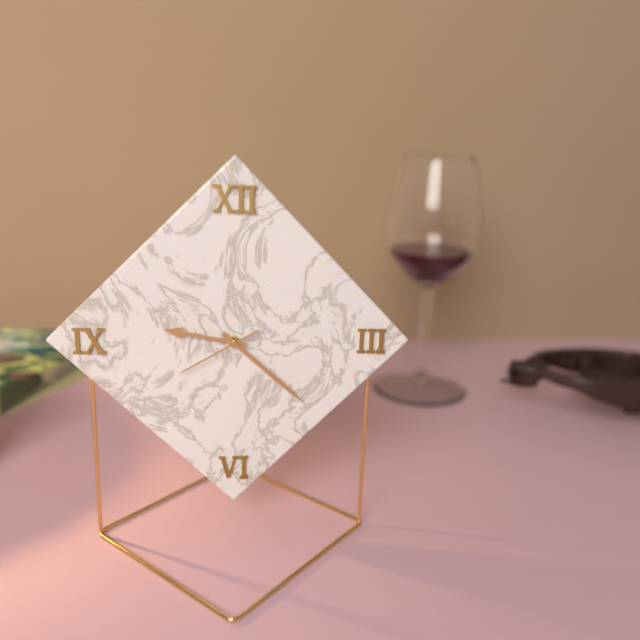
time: 9:22:40
